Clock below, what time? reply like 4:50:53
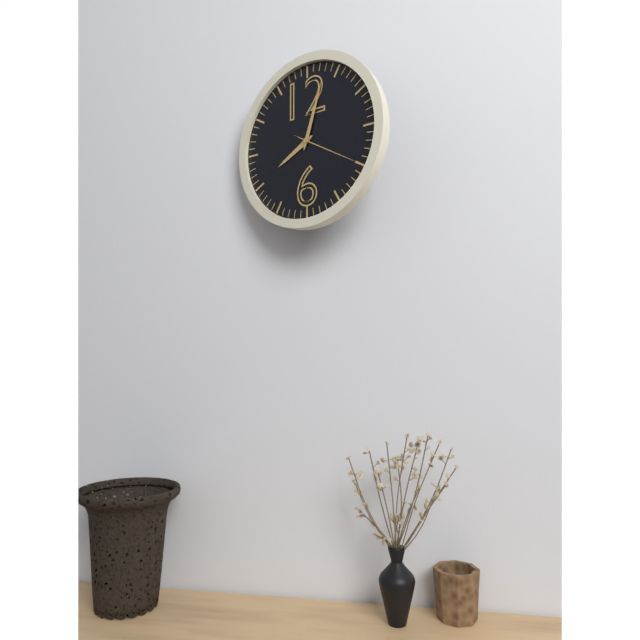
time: 8:03:20
